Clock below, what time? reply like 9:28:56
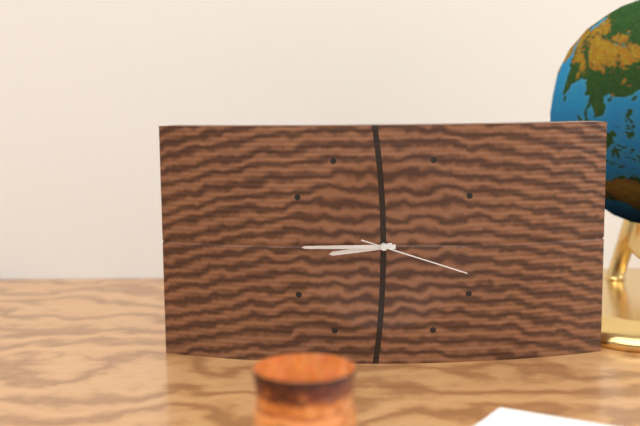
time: 8:45:18
